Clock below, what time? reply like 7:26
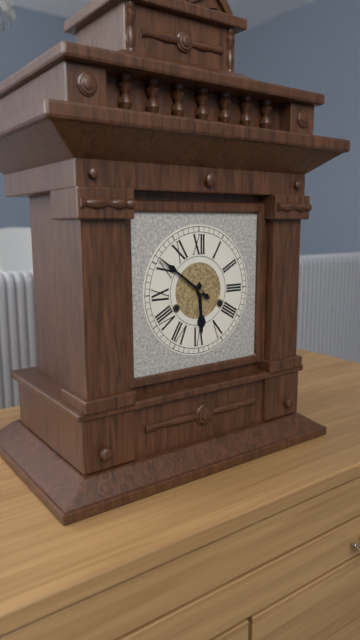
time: 5:51
